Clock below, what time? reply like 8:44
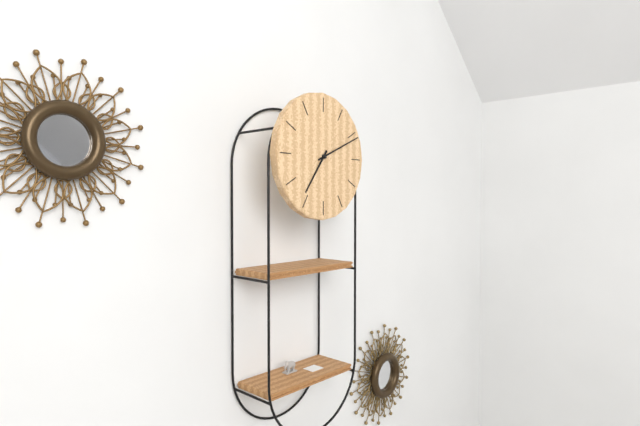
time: 7:11
